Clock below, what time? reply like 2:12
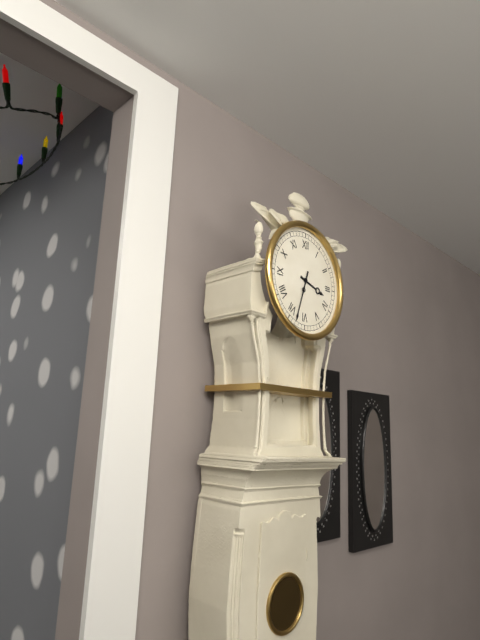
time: 3:33
